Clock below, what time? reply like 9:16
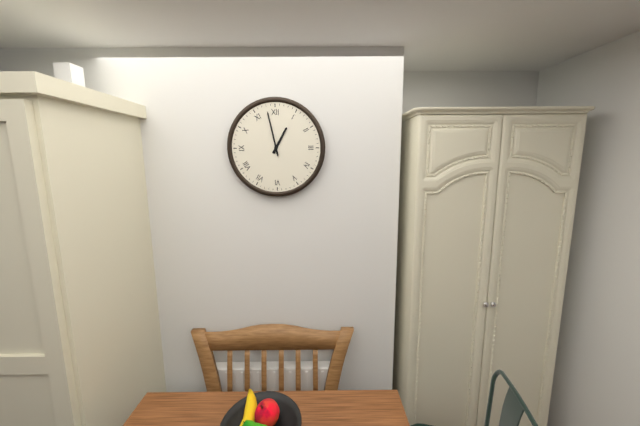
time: 12:58
